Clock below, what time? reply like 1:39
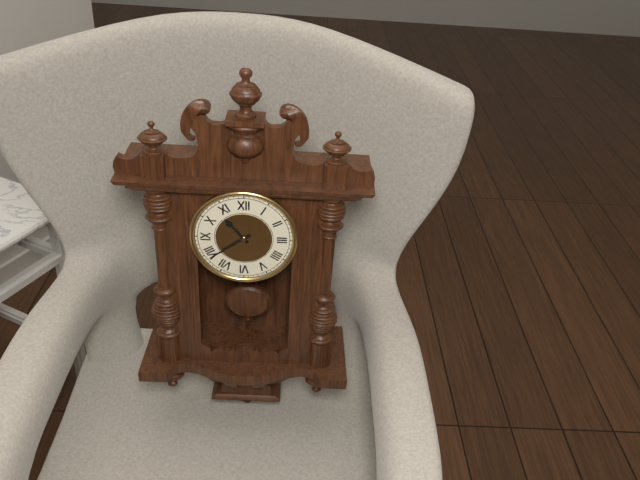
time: 10:39
